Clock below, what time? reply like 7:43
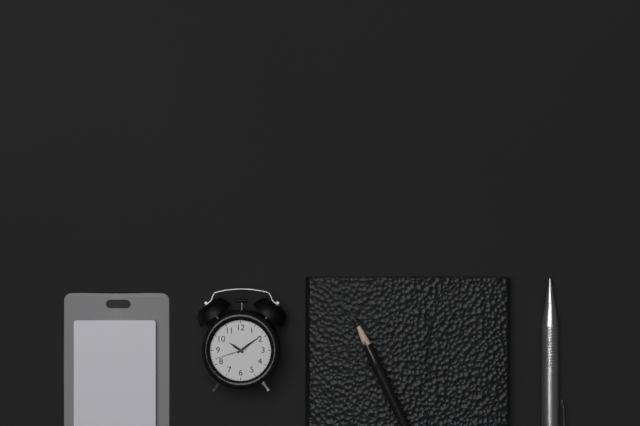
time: 10:09
